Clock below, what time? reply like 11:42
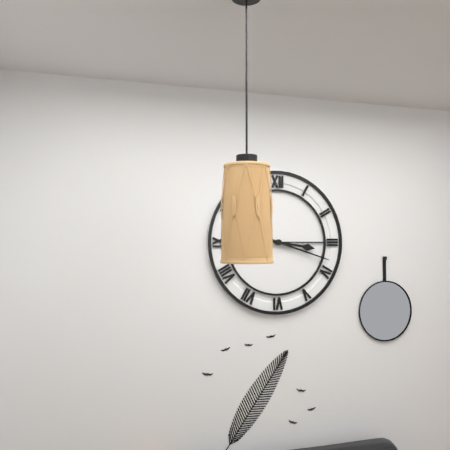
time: 3:18
